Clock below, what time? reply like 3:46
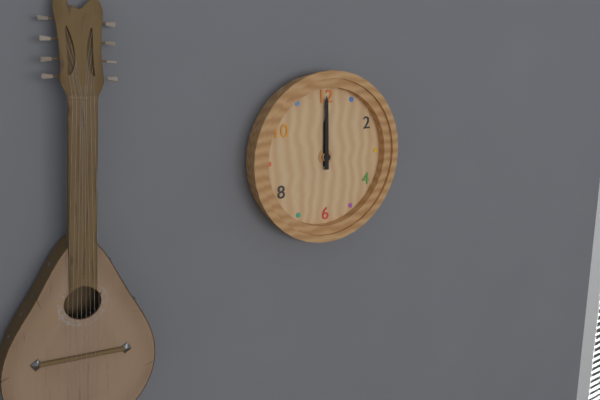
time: 12:00
